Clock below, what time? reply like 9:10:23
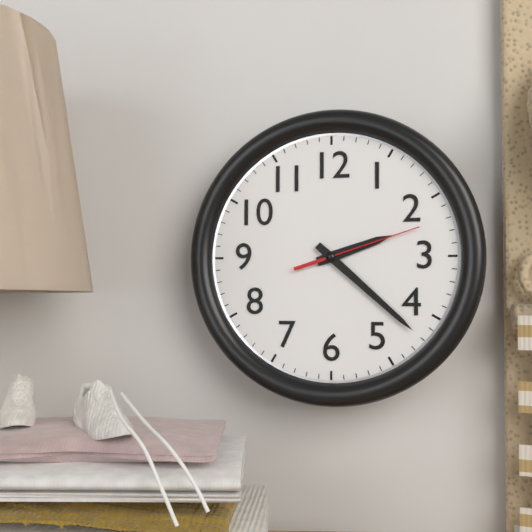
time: 2:22:12
